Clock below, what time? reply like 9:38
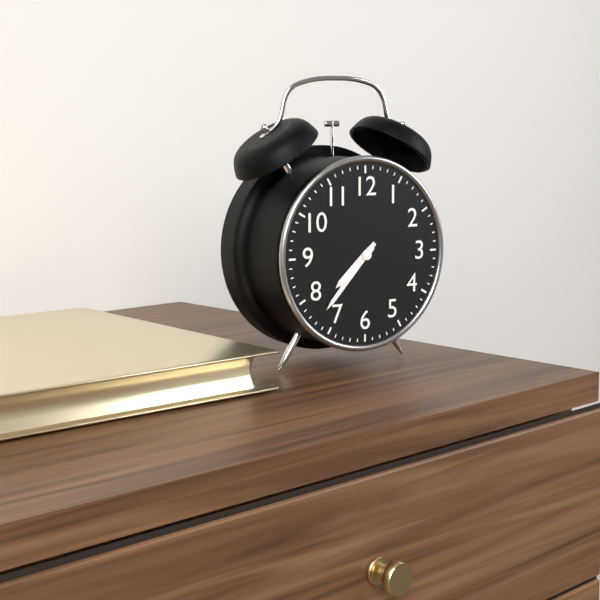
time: 7:37
